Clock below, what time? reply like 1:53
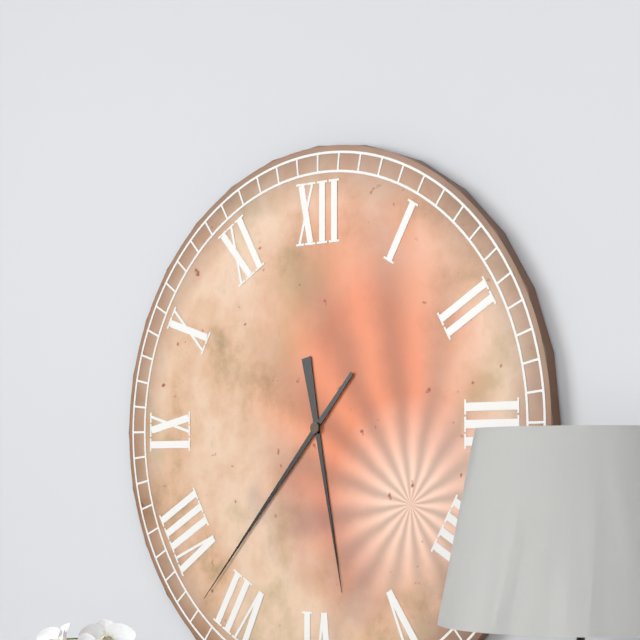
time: 5:37
